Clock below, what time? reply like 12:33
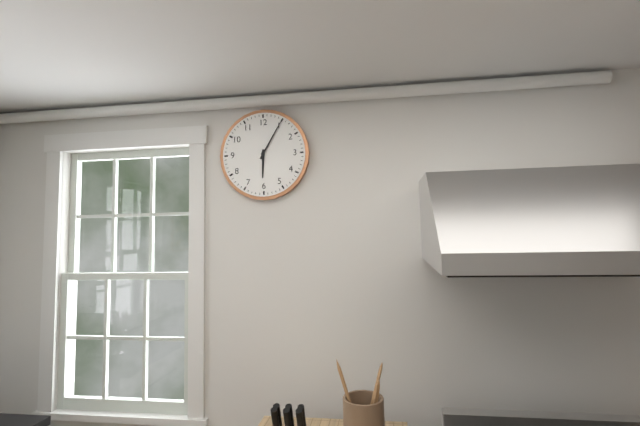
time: 6:05
